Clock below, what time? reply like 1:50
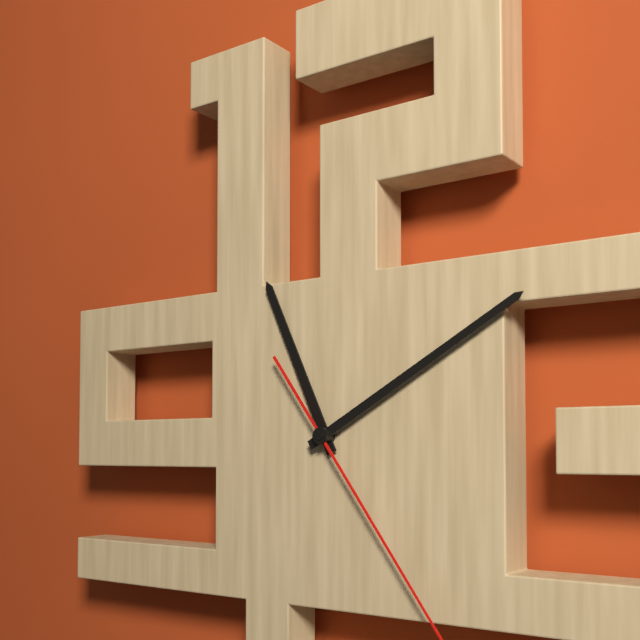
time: 11:10
